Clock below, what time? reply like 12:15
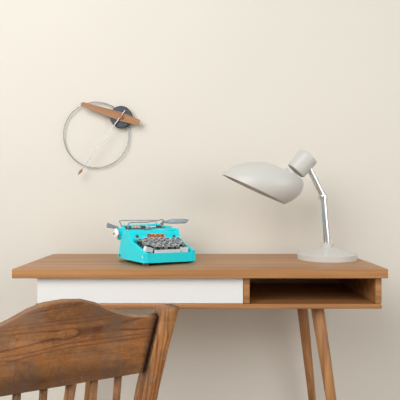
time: 9:36
